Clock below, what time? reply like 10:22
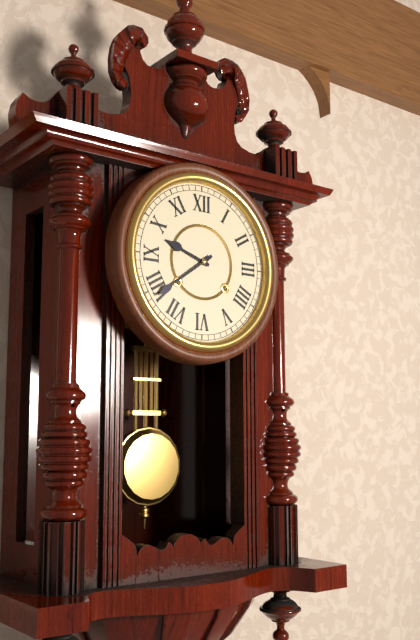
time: 9:39
